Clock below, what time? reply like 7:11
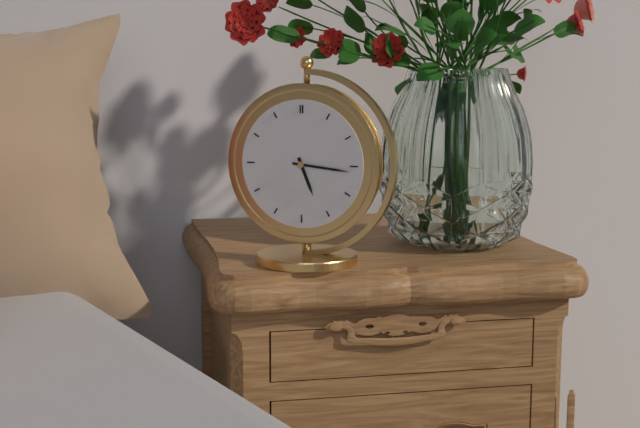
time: 5:16
